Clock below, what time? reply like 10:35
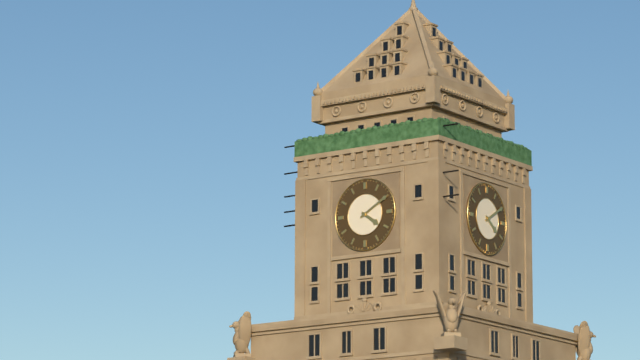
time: 4:10
